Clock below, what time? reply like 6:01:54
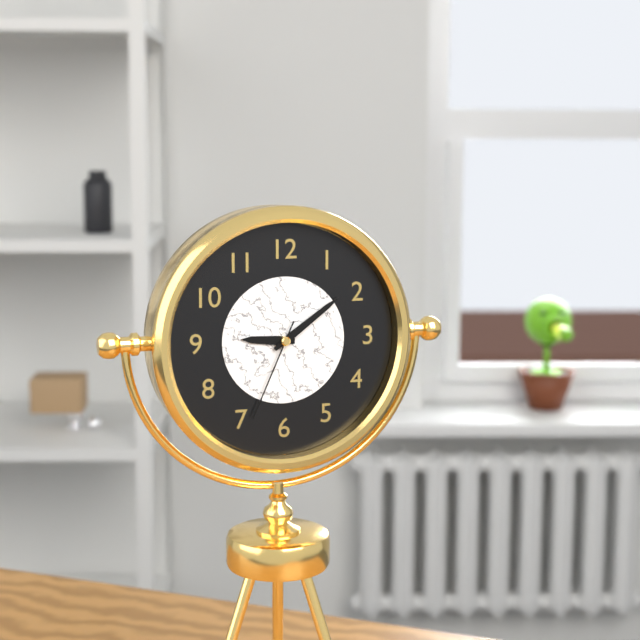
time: 9:09:34
